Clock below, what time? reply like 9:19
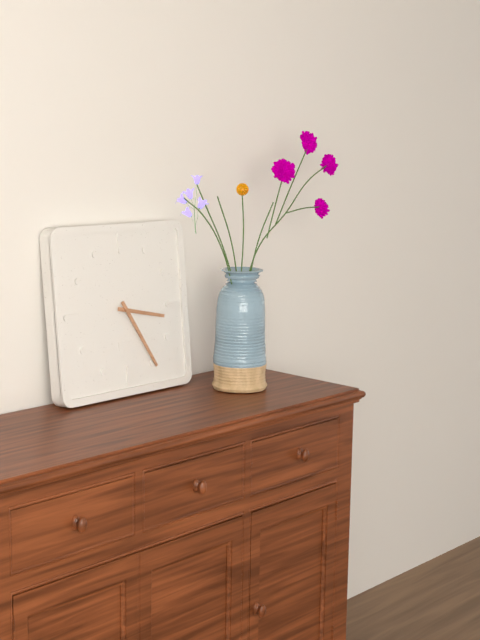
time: 3:25
